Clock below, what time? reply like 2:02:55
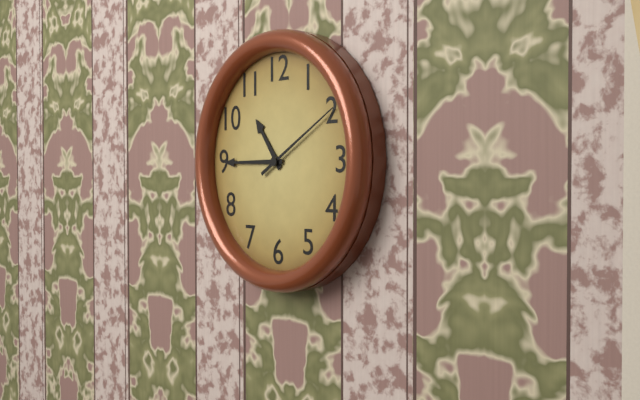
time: 10:45:10
